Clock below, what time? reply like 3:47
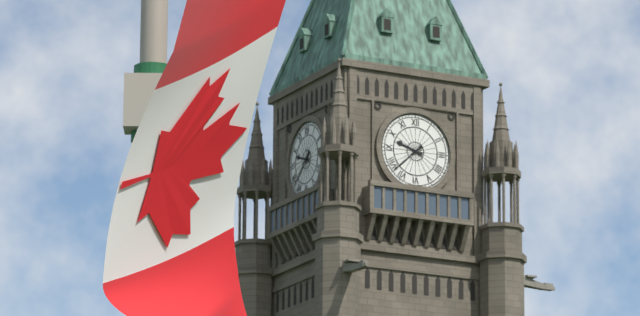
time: 9:38
